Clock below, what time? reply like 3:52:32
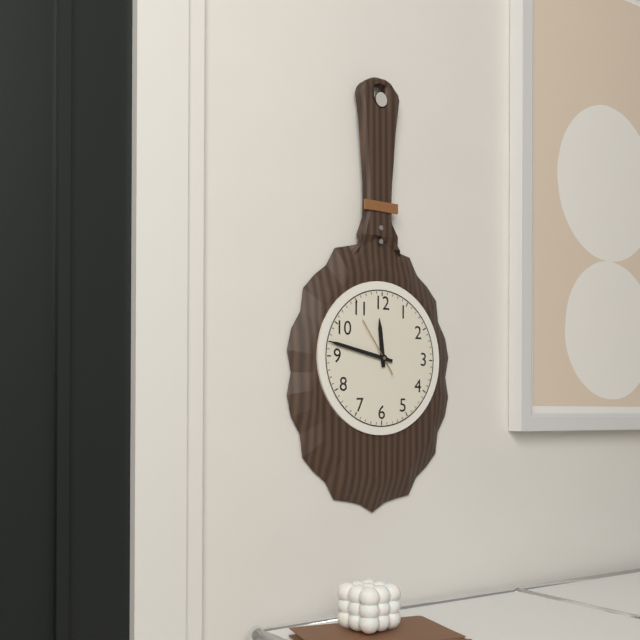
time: 11:47:54
